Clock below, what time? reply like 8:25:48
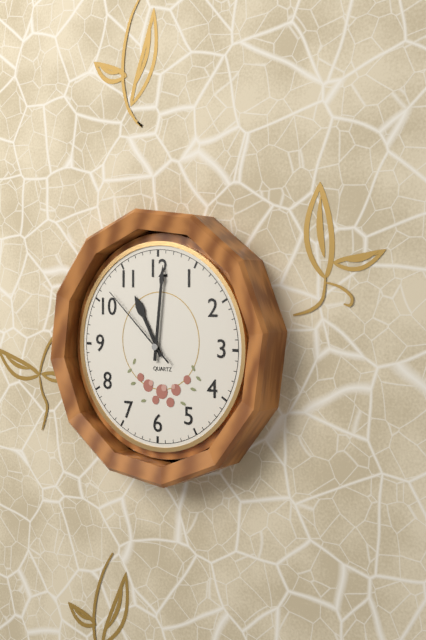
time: 11:01:52
